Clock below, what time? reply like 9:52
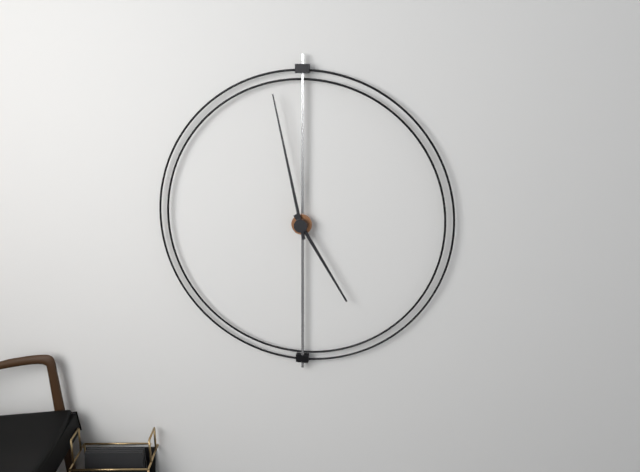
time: 4:58
